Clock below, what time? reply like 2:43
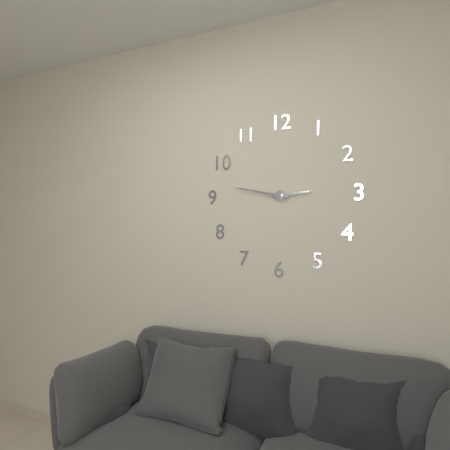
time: 2:47
